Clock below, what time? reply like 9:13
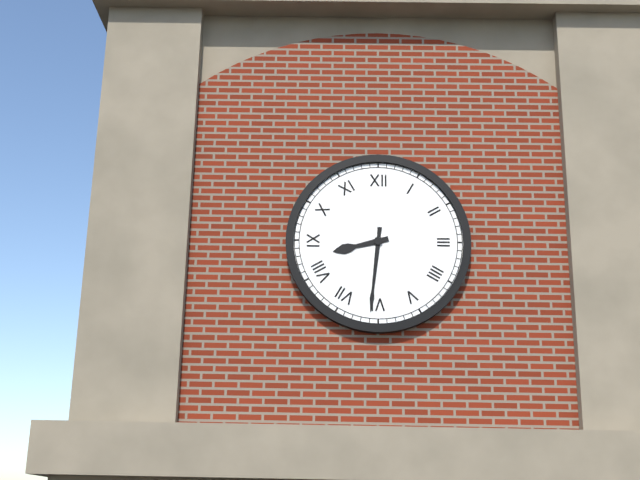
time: 8:31
